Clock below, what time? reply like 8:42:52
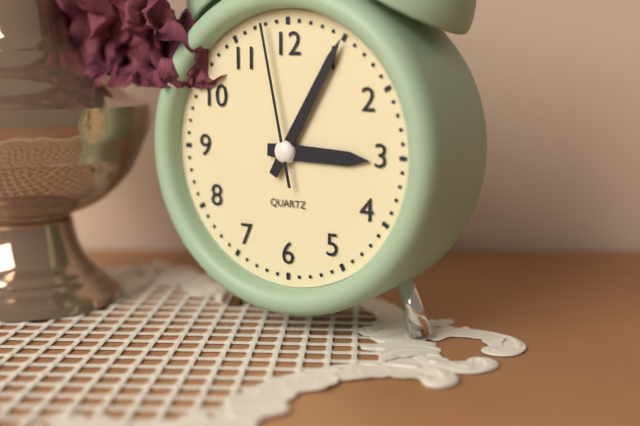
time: 3:05:58
